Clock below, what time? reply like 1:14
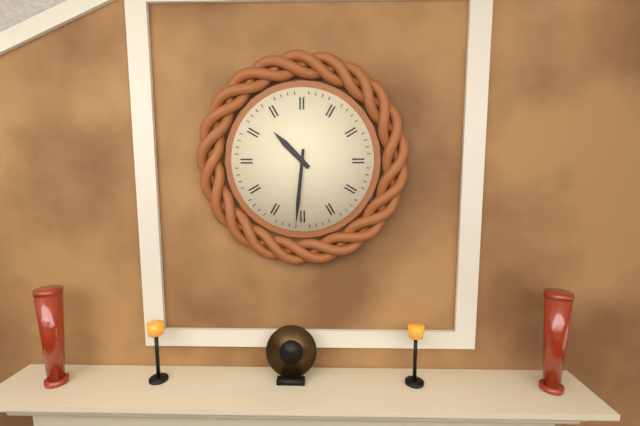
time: 10:31
